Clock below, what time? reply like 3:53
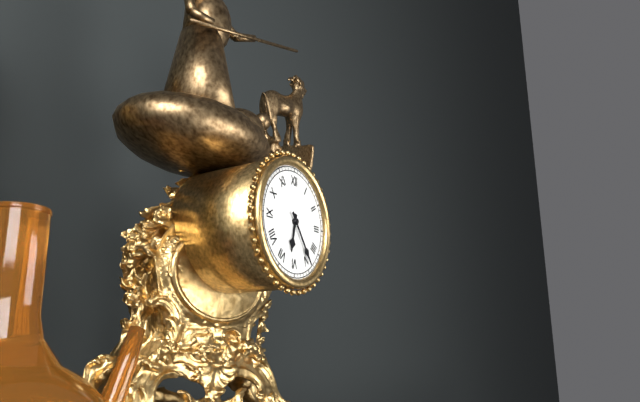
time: 6:24
